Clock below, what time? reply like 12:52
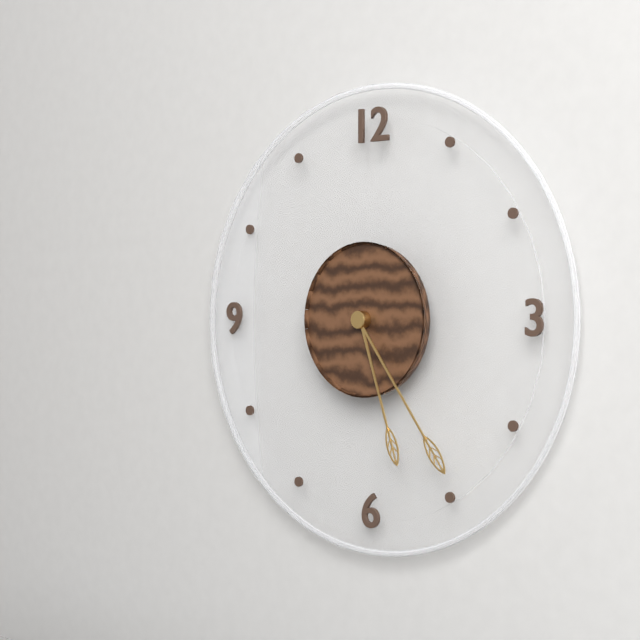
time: 5:24
